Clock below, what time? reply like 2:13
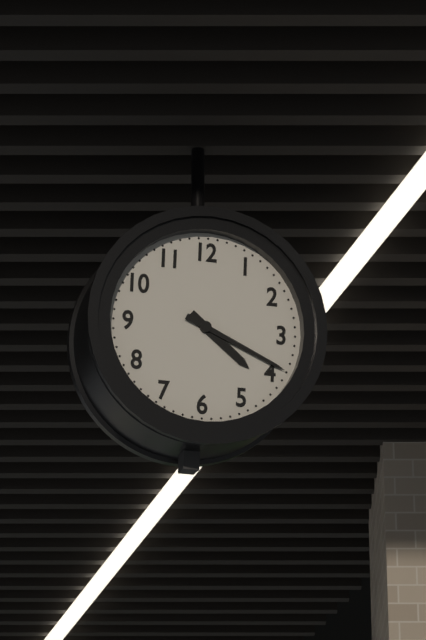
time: 4:19
